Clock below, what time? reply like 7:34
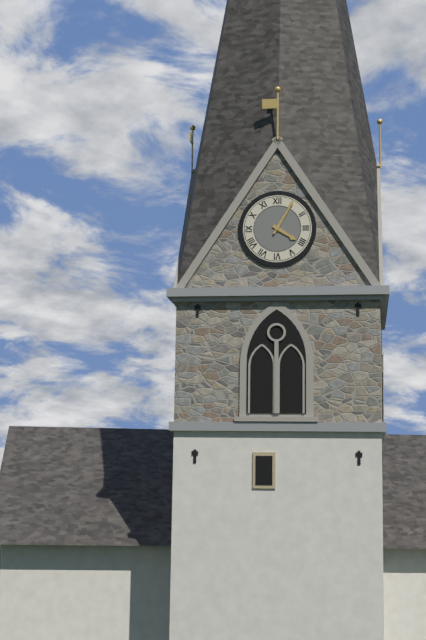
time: 4:05
